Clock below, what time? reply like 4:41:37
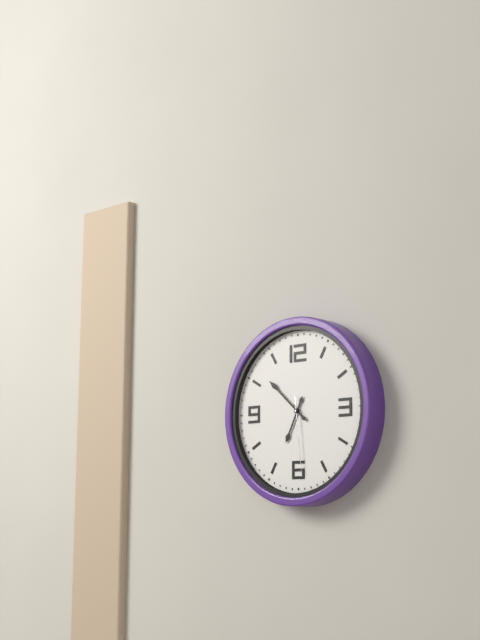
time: 6:52:29
